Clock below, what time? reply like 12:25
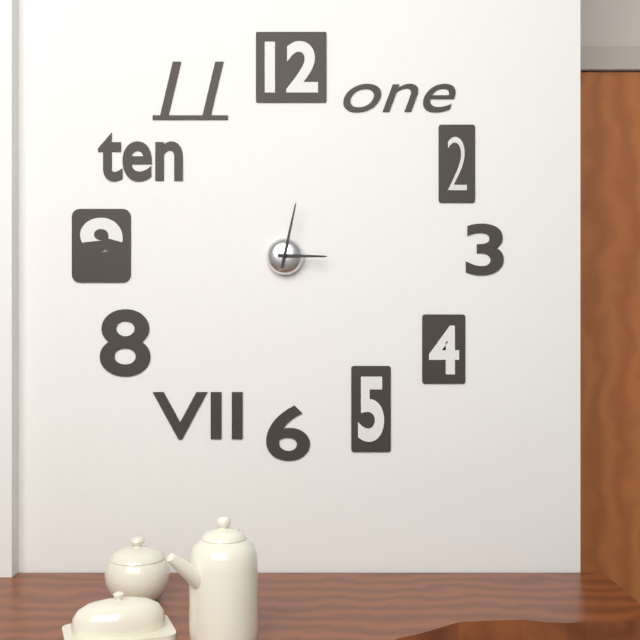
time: 3:02
